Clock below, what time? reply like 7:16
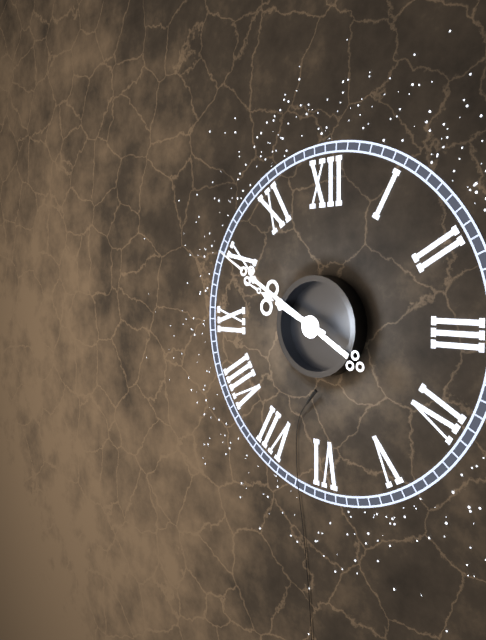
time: 9:50
